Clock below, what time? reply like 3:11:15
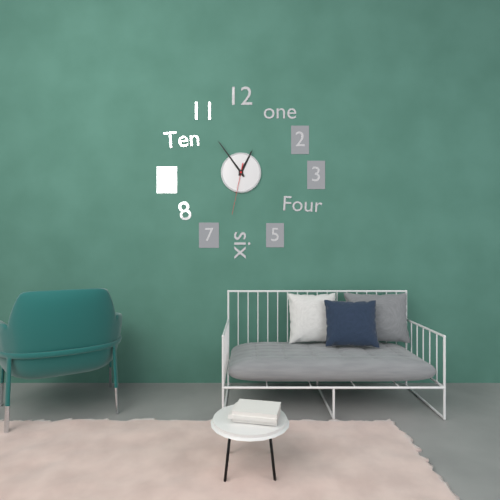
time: 12:54:32
